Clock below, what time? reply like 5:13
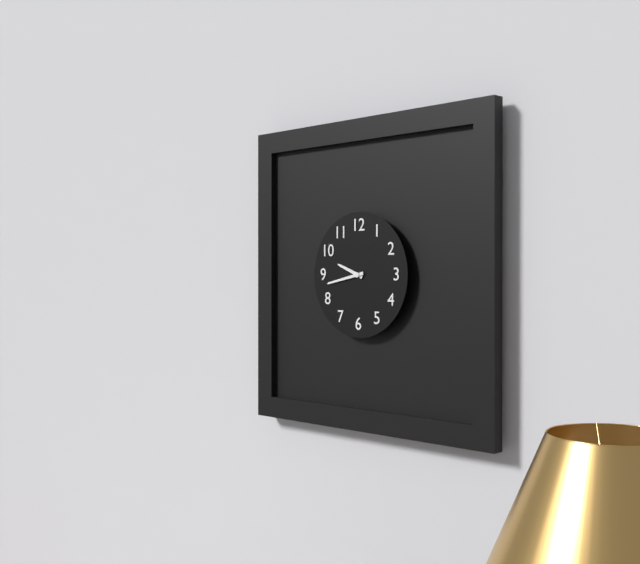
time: 9:43
